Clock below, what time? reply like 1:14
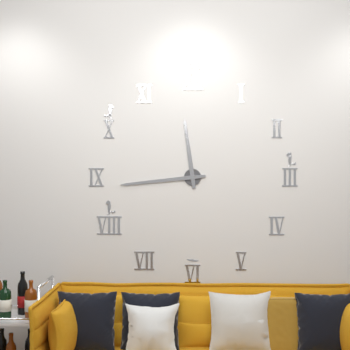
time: 11:44
